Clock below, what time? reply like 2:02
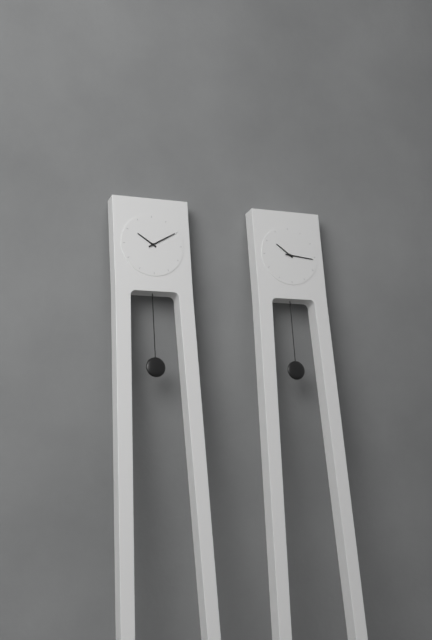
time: 10:10
